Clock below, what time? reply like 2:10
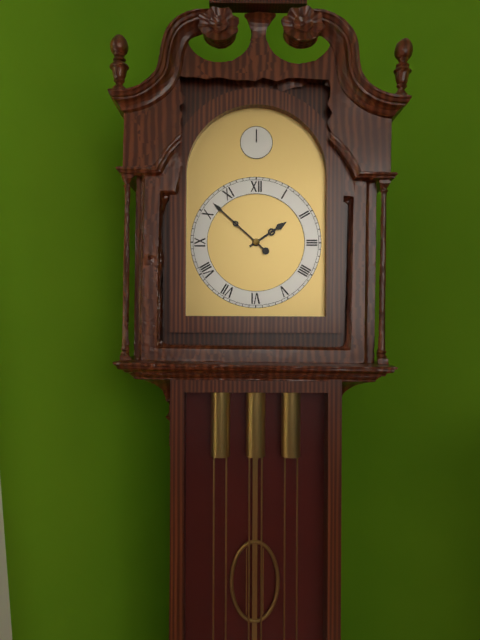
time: 1:52
